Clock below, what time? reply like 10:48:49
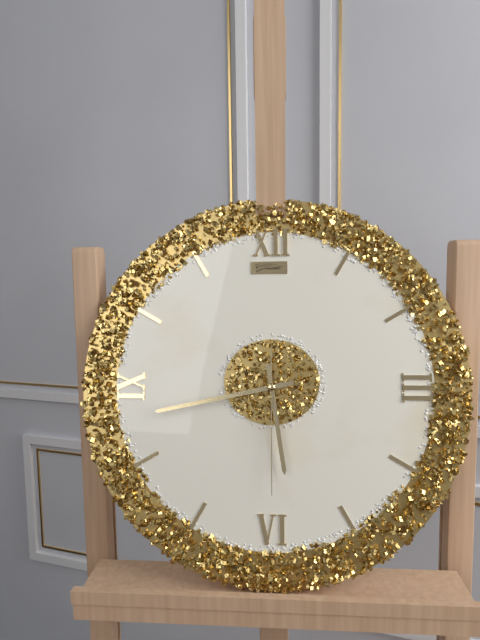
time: 5:43:30
